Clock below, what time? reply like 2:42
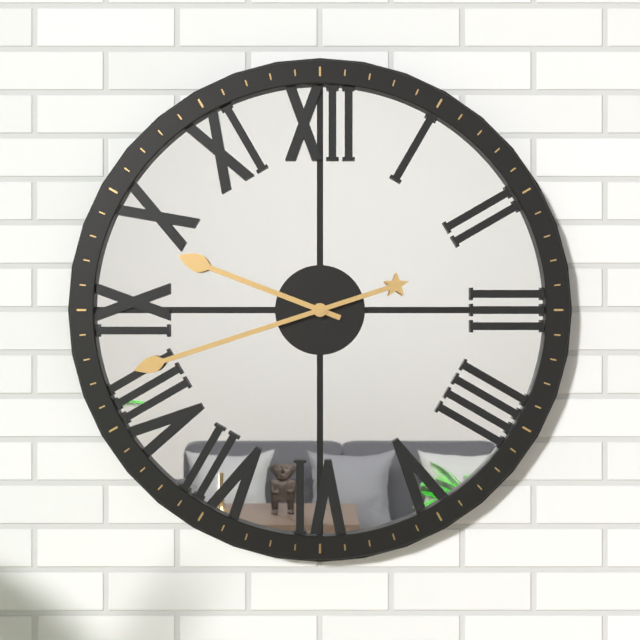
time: 9:42
